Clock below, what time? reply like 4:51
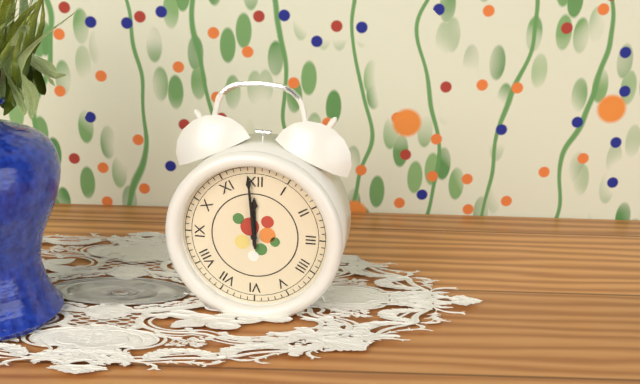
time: 11:59
